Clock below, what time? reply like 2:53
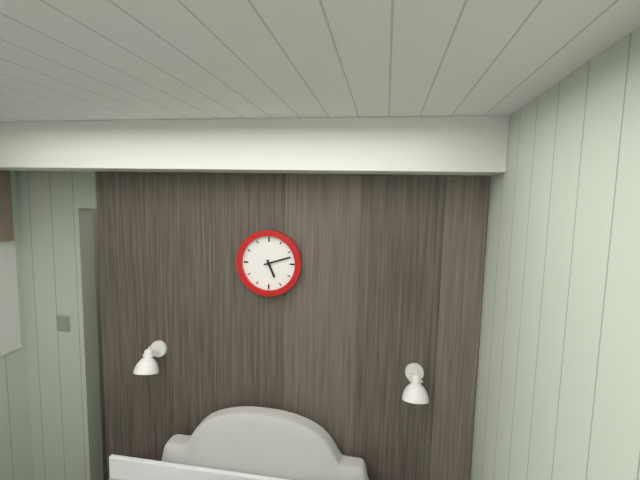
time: 5:12
